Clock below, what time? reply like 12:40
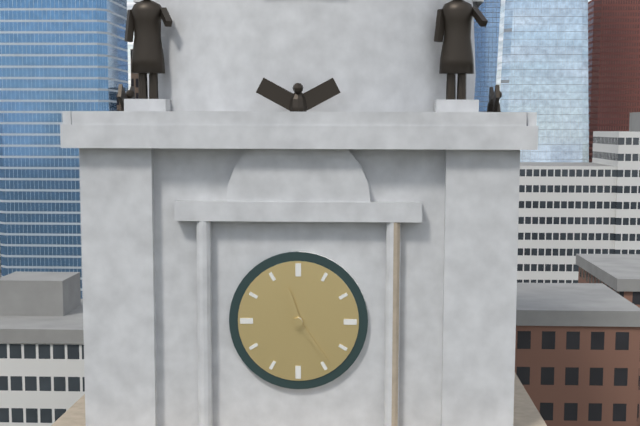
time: 11:24
